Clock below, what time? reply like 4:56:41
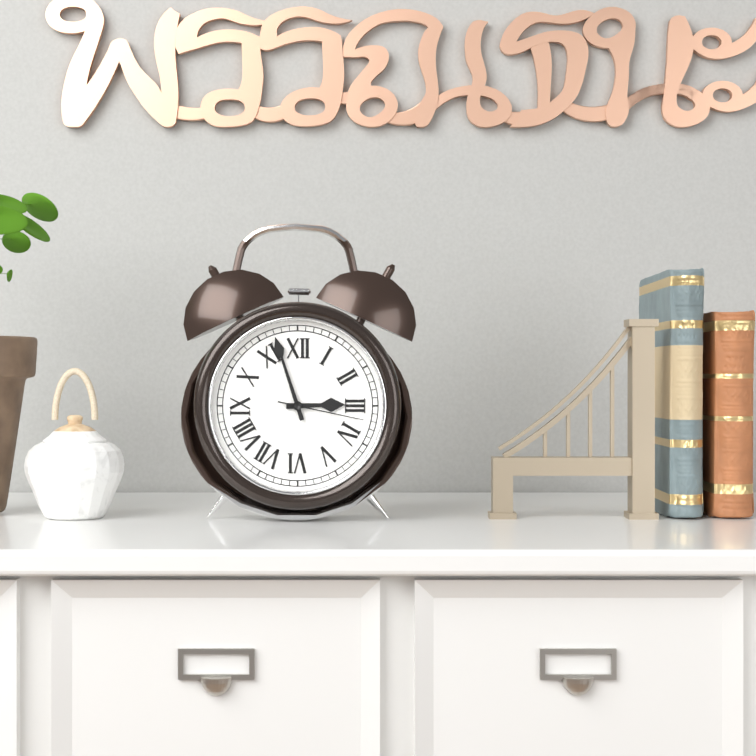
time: 2:57:17
